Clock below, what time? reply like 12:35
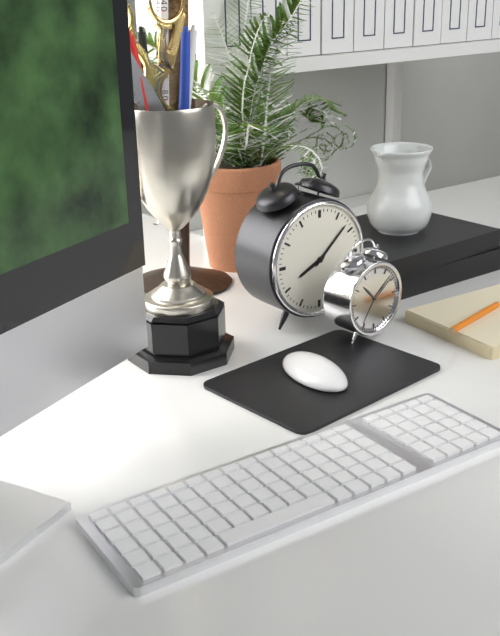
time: 8:08
